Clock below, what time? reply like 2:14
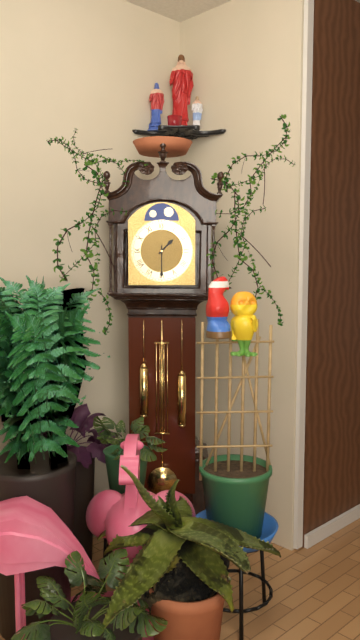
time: 1:30
